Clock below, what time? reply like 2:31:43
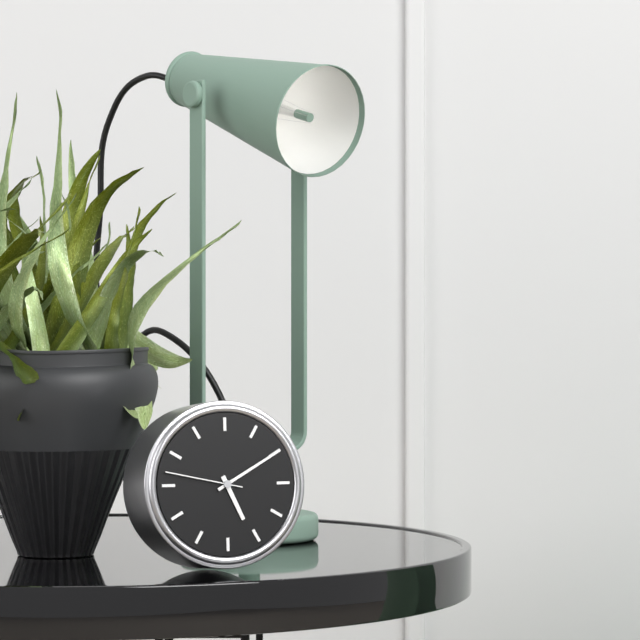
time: 5:10:47
